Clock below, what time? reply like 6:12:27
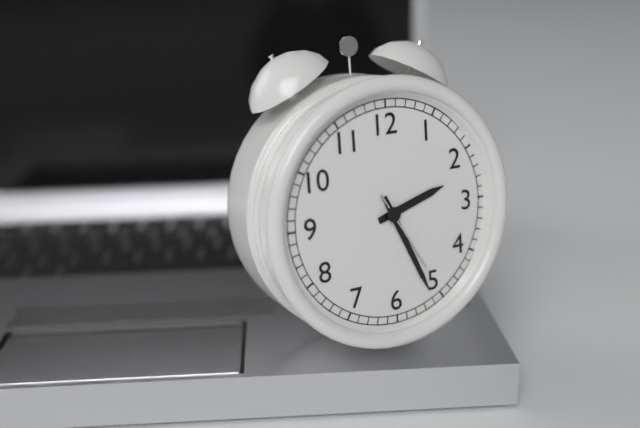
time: 2:26:25
